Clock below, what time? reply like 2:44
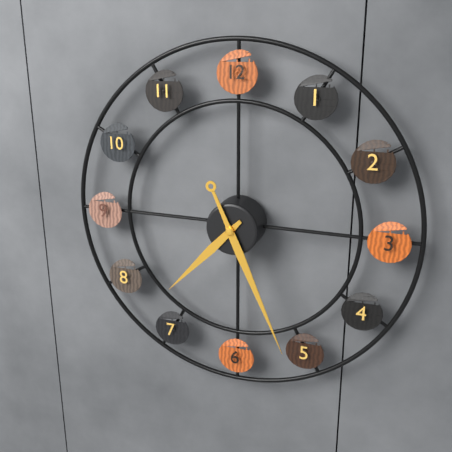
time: 7:26
